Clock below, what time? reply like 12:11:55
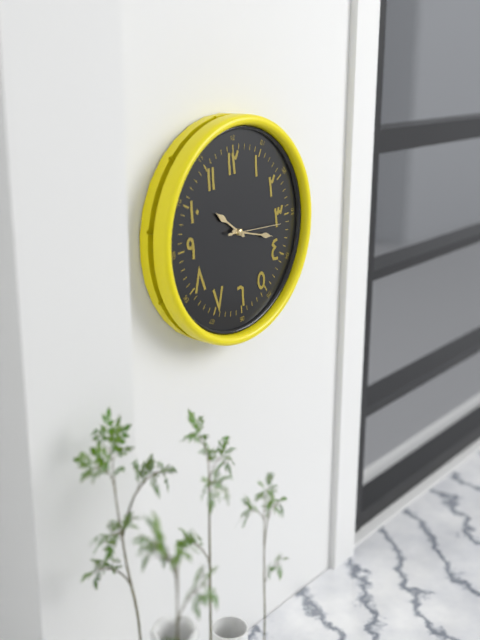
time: 10:18:16
